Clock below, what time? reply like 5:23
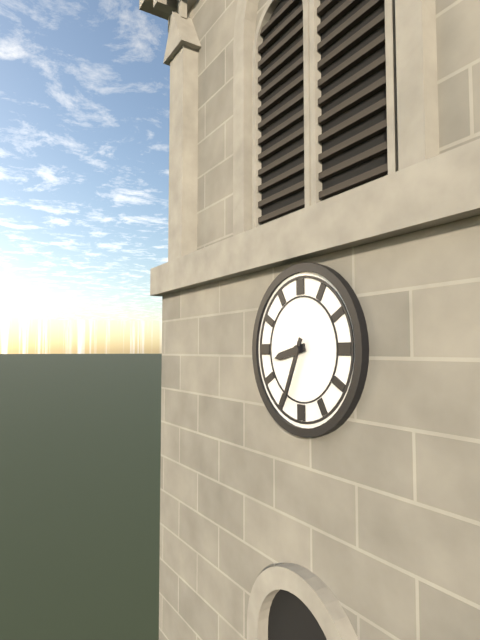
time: 8:34
